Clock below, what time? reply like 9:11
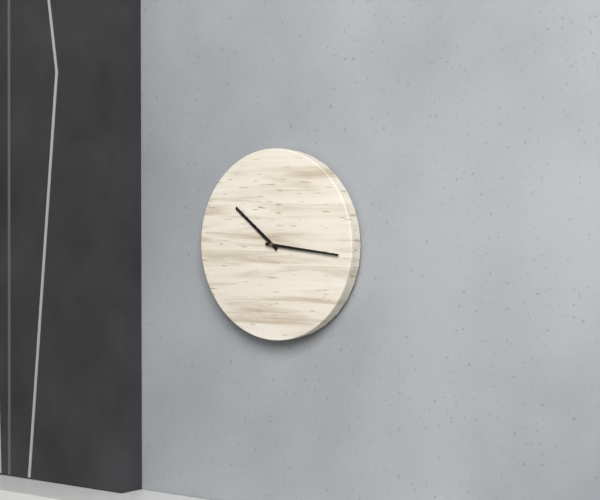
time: 10:16
